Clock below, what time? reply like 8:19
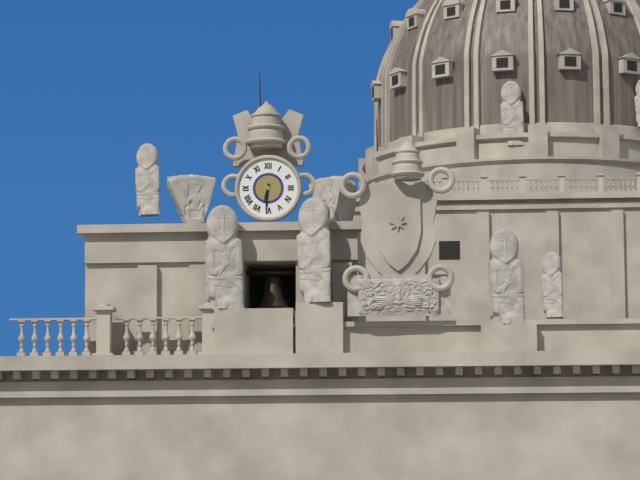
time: 6:31
